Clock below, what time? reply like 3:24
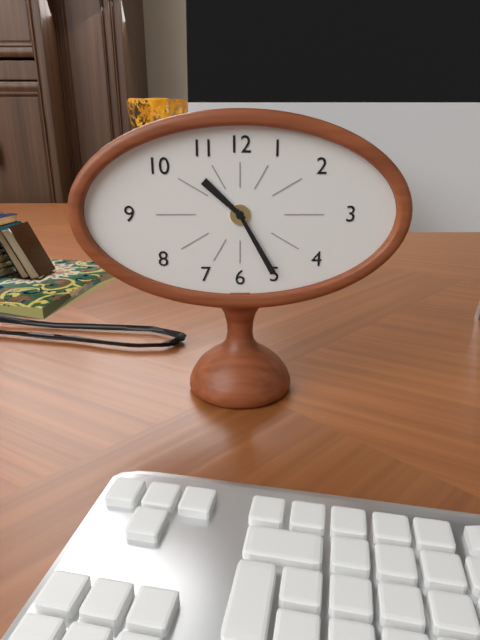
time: 10:25
